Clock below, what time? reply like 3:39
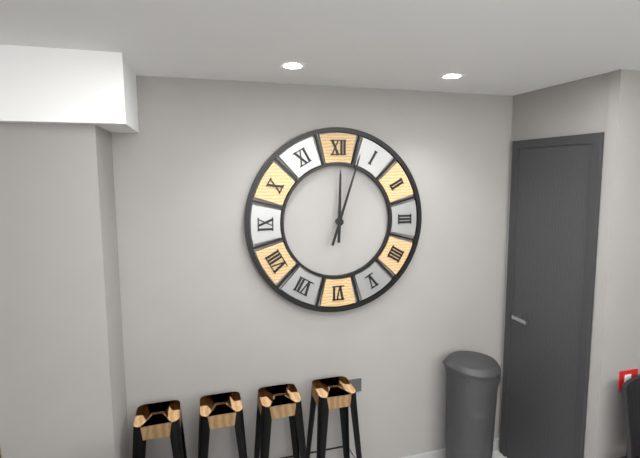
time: 12:03
